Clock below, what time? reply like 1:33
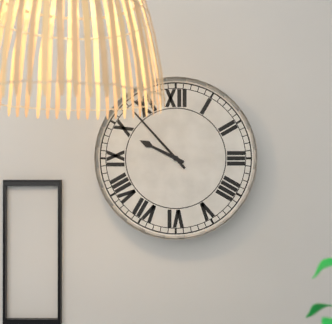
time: 9:53
